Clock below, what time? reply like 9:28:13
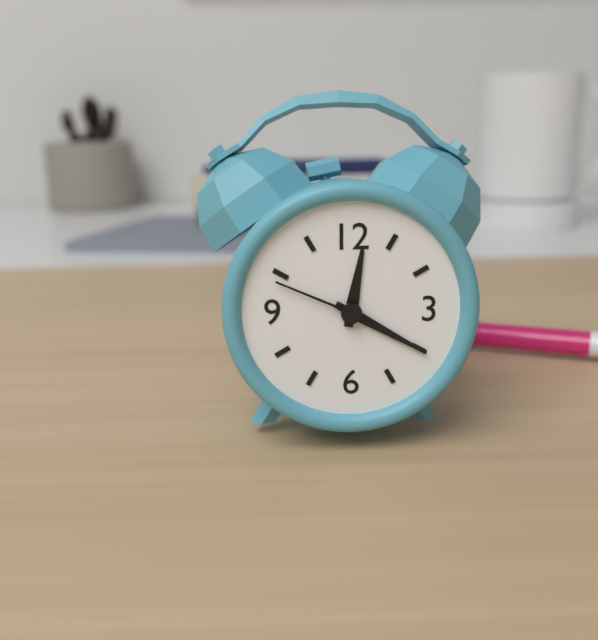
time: 12:20:49
